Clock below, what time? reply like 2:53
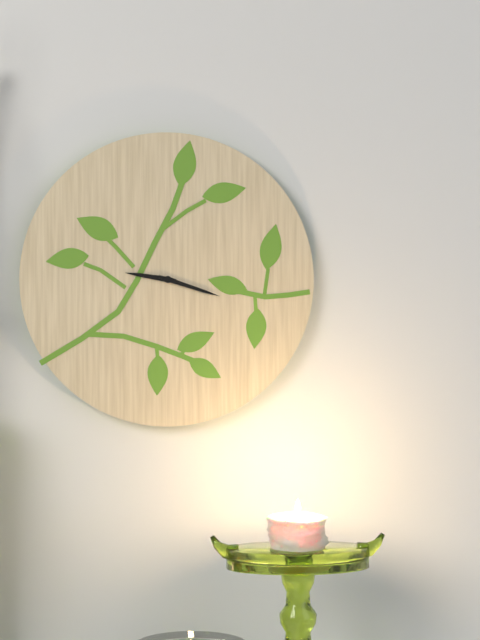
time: 9:18
